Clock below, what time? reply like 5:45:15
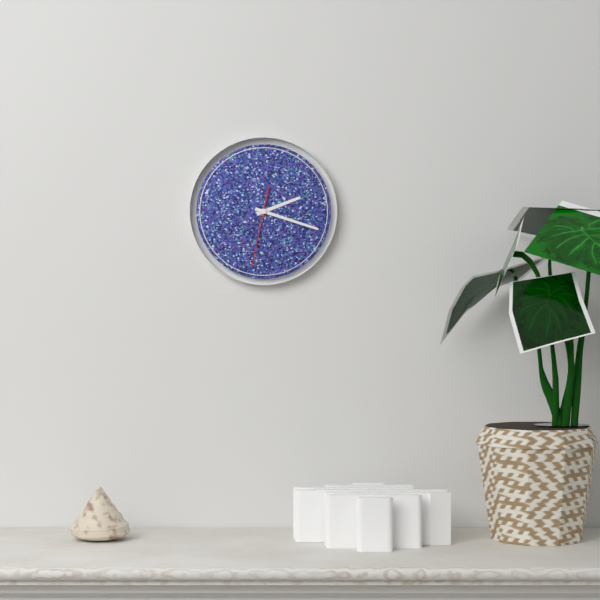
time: 2:18:32
